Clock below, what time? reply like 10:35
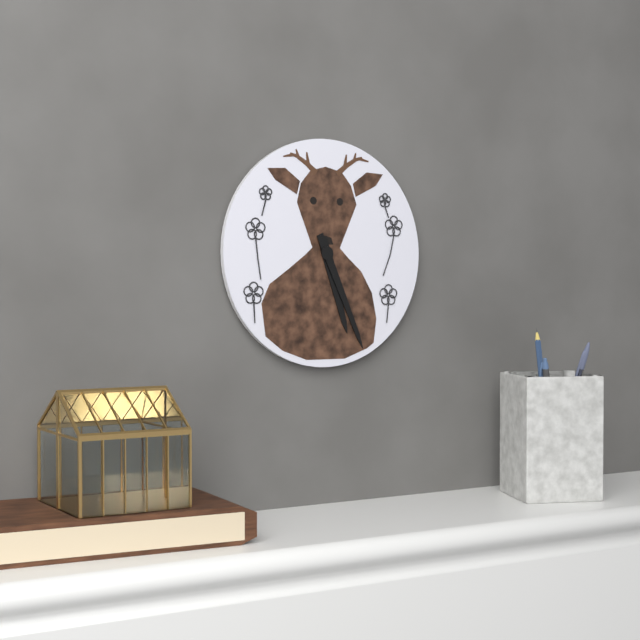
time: 5:26
